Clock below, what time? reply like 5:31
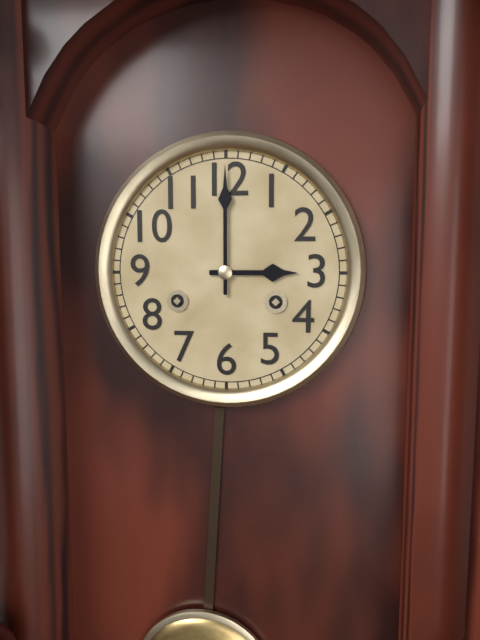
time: 3:00
